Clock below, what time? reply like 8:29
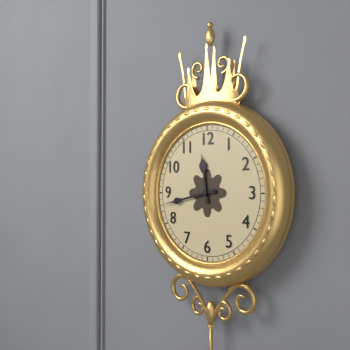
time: 11:43
